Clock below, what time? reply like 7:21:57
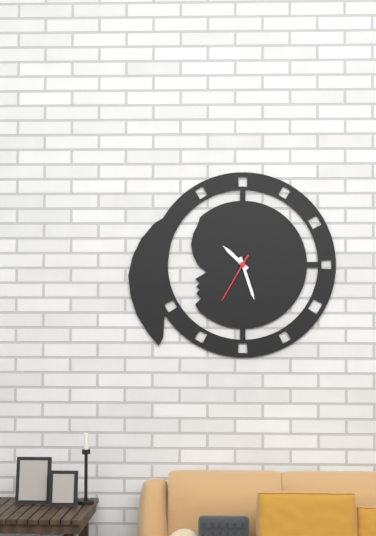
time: 10:27:35
